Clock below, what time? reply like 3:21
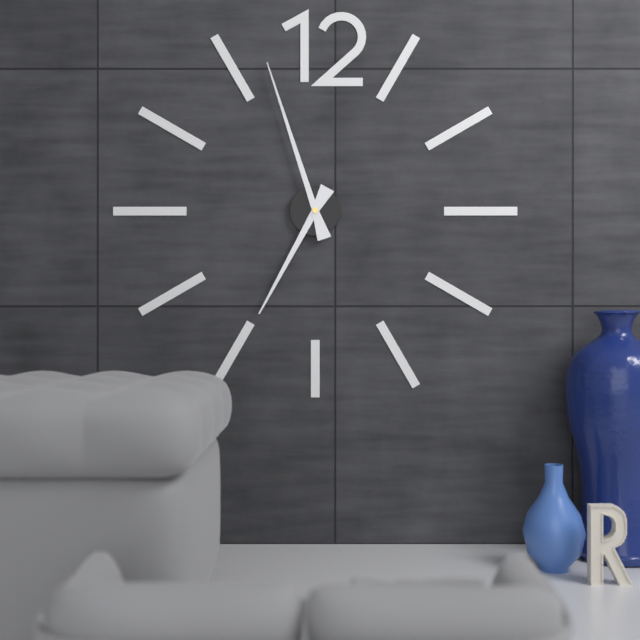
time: 6:57
